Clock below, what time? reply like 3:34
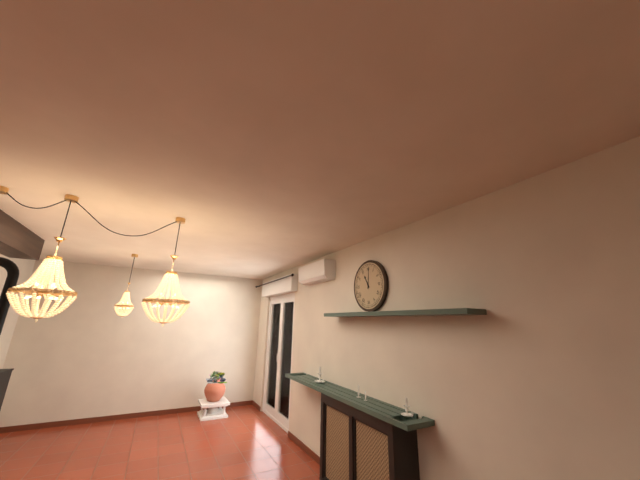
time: 11:01
